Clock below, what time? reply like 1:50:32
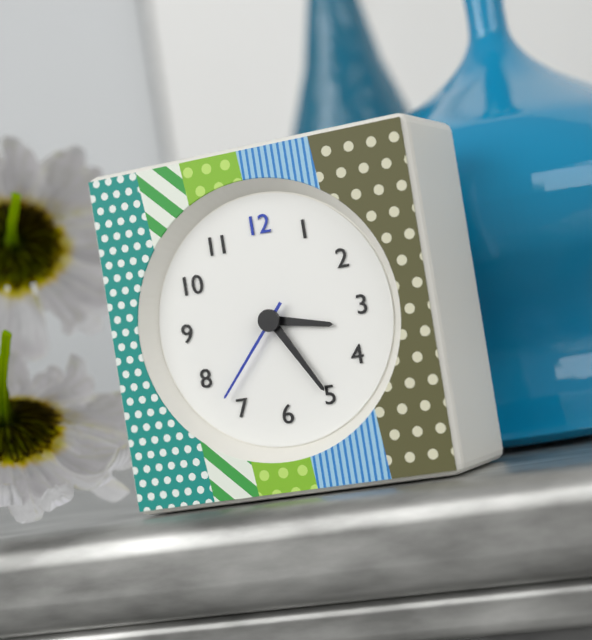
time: 3:25:37
